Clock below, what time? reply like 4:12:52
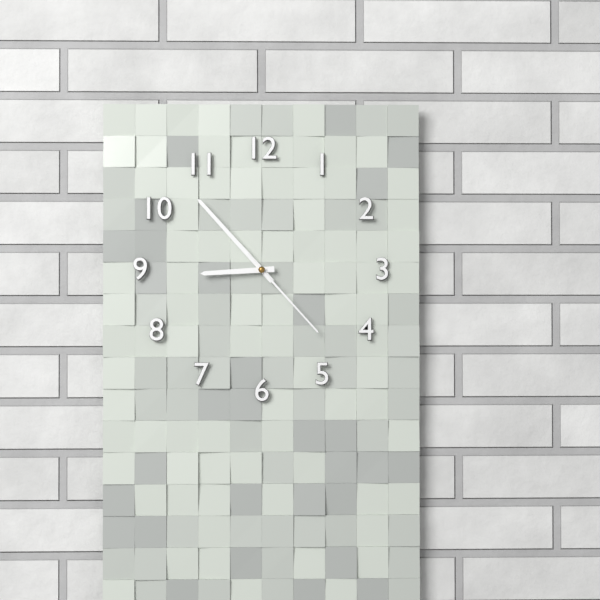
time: 8:53:23
